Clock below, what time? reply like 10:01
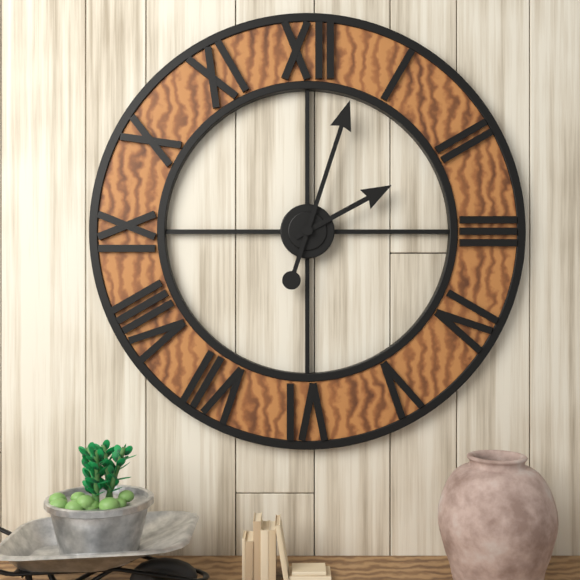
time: 2:03
